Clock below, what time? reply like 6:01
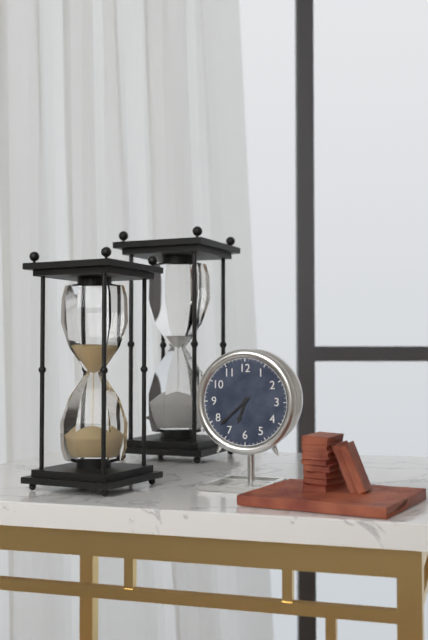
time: 6:38
